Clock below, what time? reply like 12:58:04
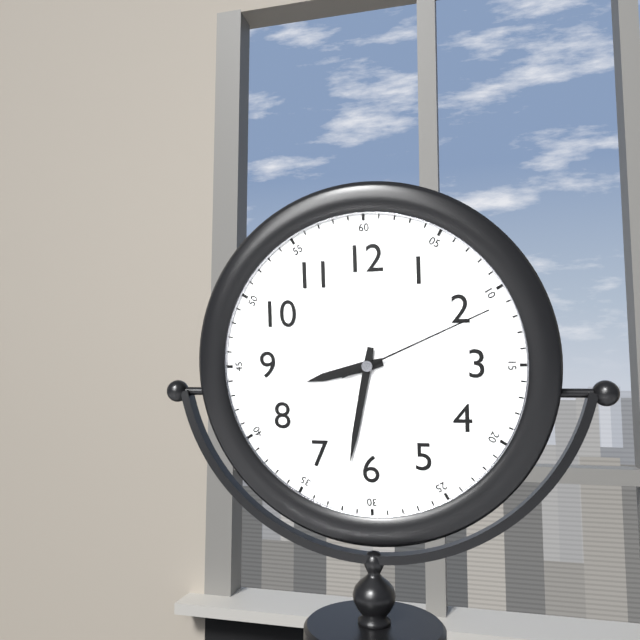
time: 8:32:11
